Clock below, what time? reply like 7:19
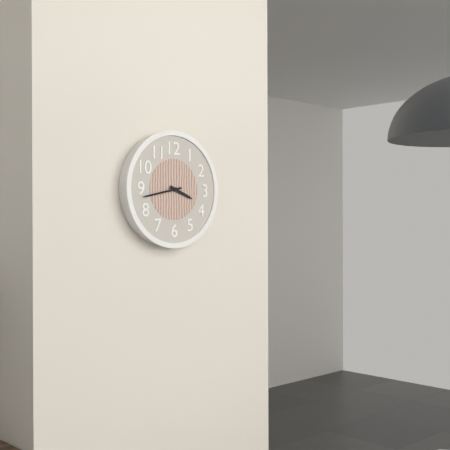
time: 3:43
